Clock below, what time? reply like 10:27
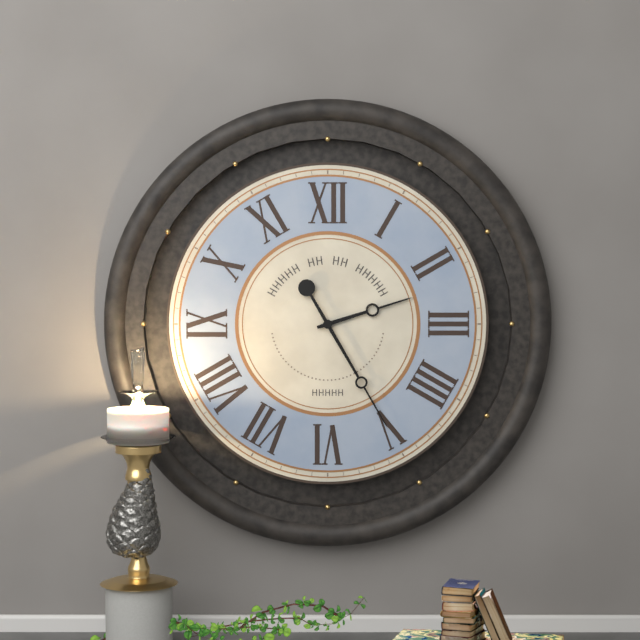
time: 2:25
